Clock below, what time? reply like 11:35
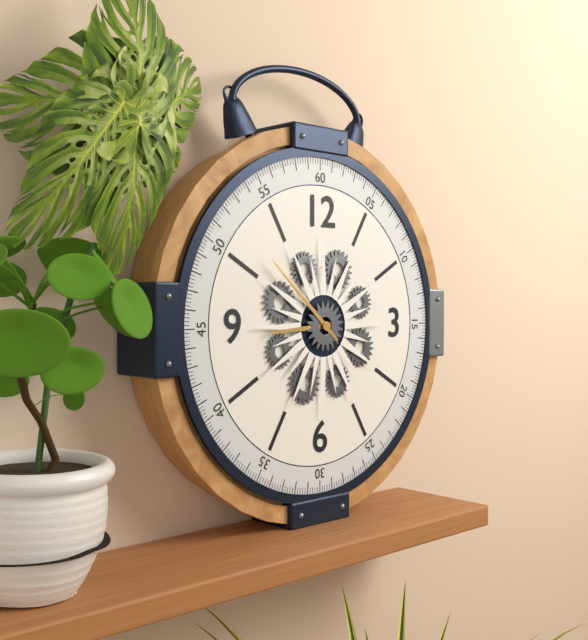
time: 8:52
